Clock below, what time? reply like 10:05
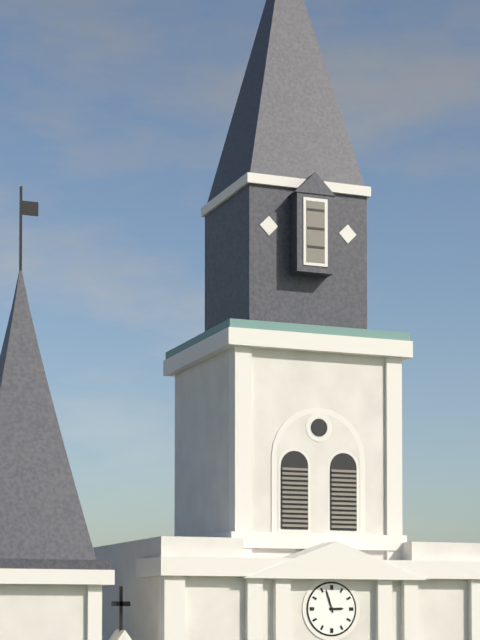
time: 2:57
